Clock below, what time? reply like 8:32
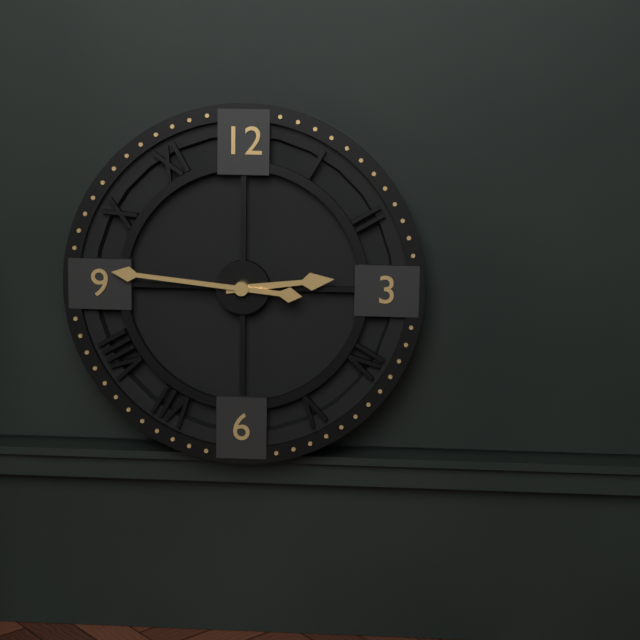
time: 2:46
